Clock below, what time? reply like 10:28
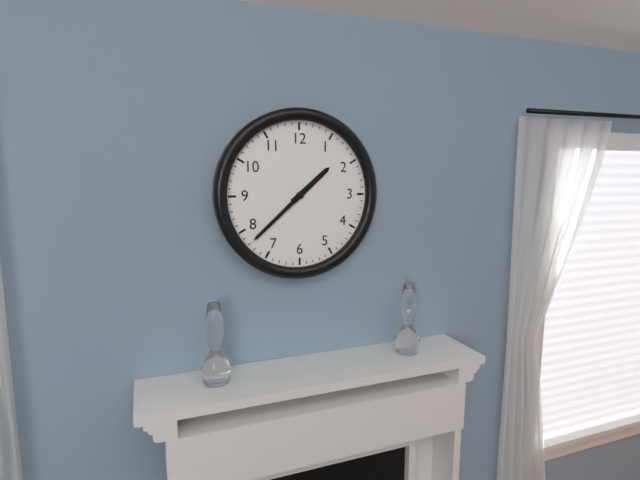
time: 1:38
